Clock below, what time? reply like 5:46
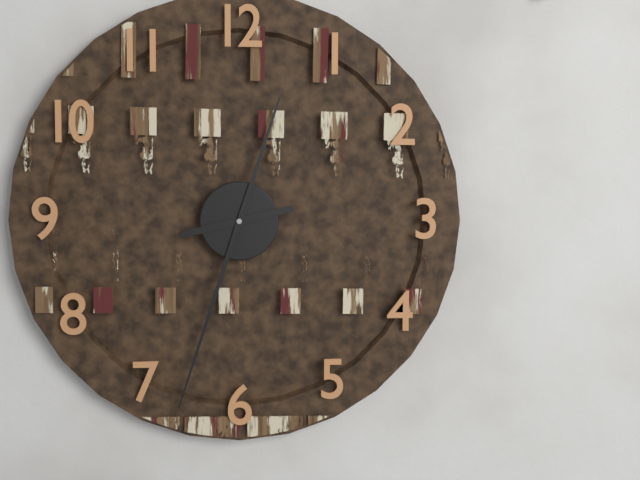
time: 8:33
